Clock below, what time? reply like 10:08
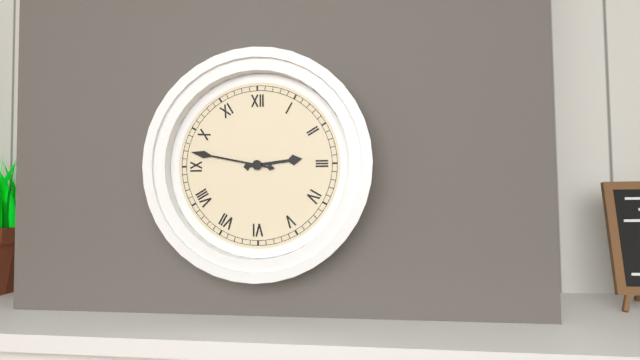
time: 2:47
